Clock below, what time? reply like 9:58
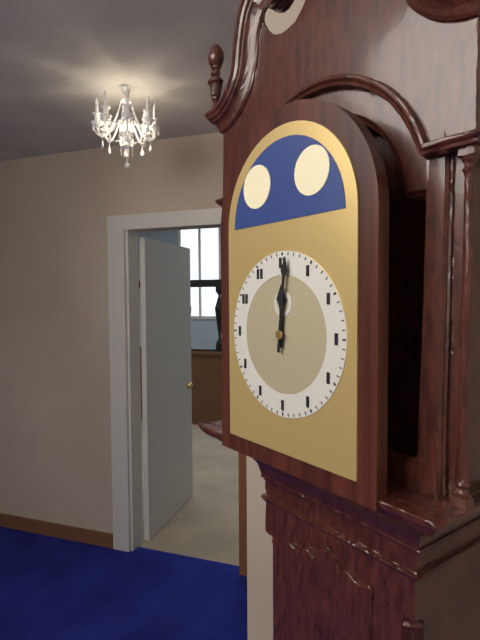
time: 12:01
